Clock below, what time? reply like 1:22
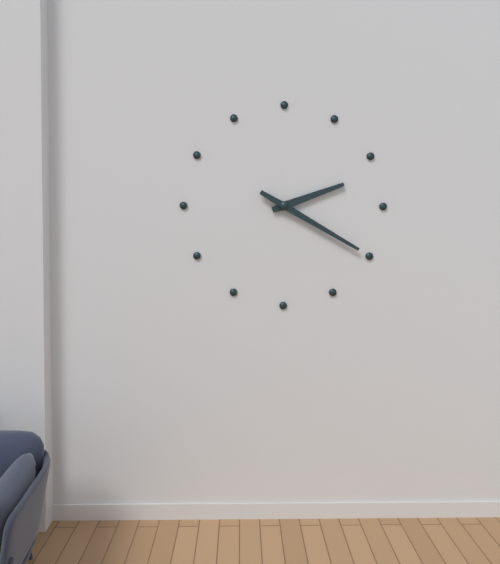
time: 2:20
